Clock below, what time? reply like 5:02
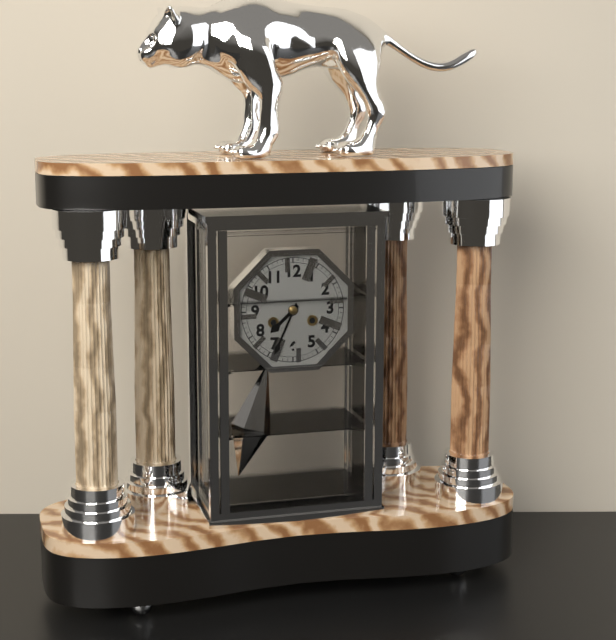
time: 7:34
